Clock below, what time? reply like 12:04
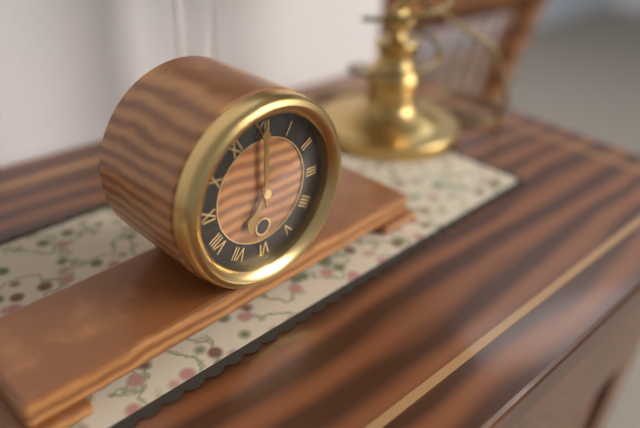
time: 7:00
